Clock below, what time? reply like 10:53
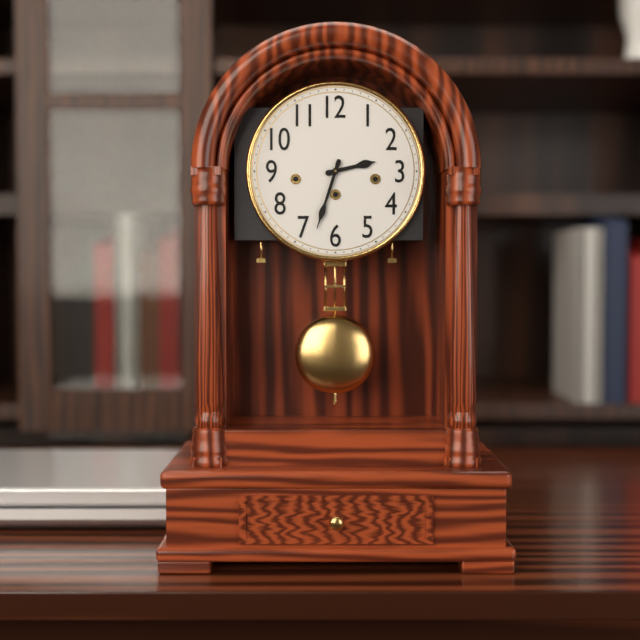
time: 2:33
